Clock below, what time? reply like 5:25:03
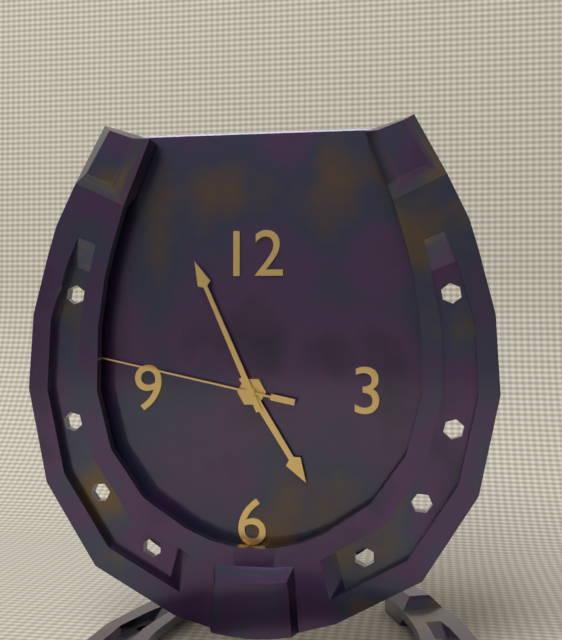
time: 4:56:47
